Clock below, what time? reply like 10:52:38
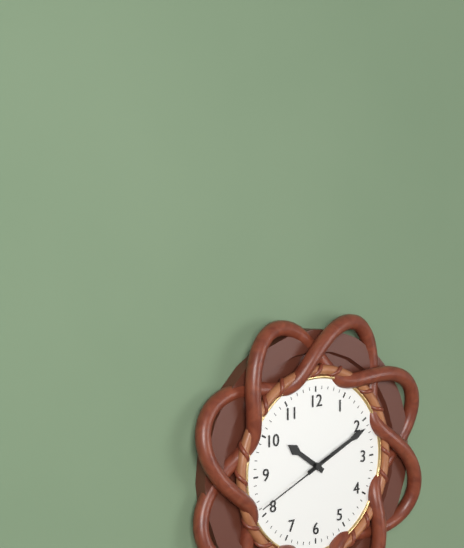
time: 10:11:41
